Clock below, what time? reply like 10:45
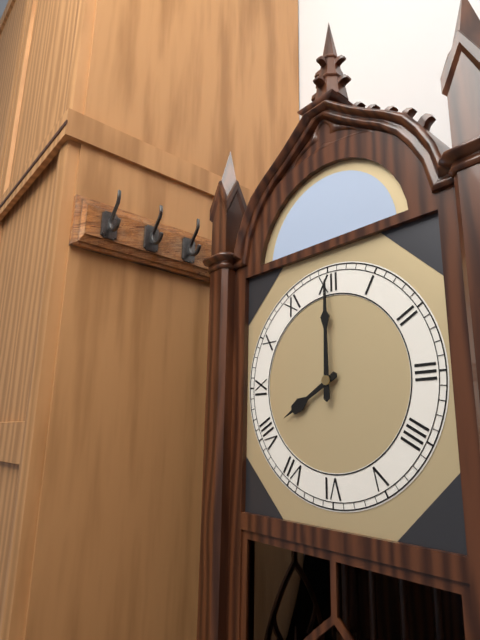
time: 8:00
